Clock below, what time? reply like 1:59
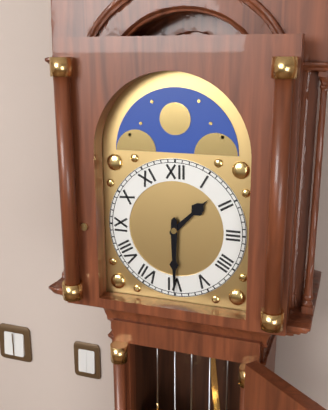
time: 1:30
